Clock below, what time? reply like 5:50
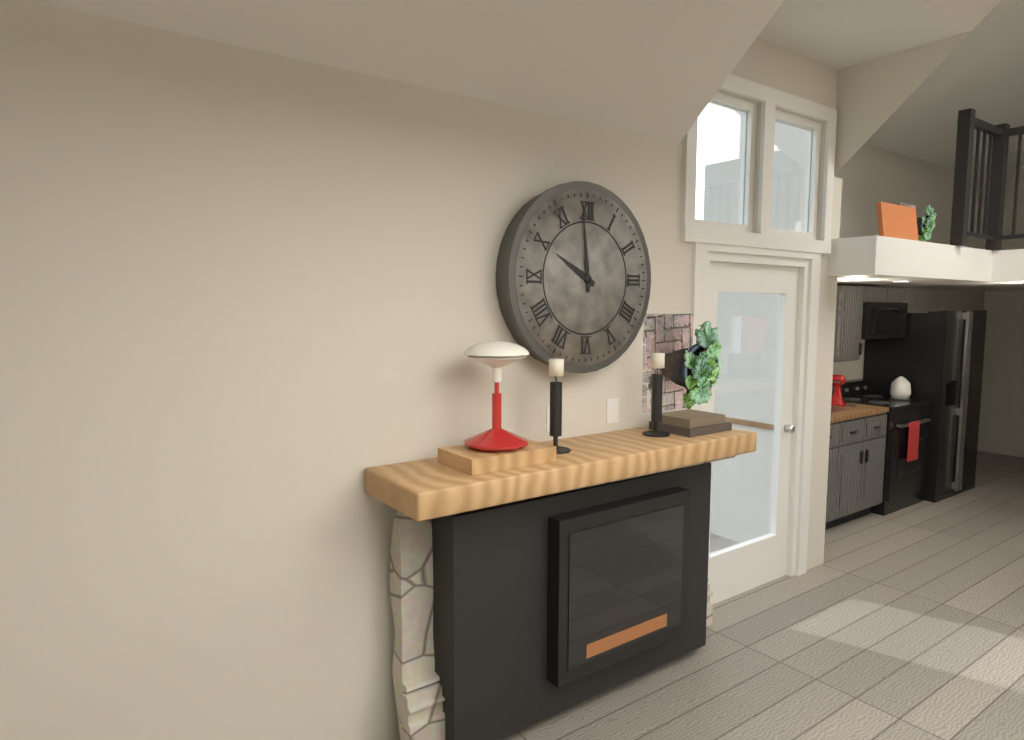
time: 9:59
